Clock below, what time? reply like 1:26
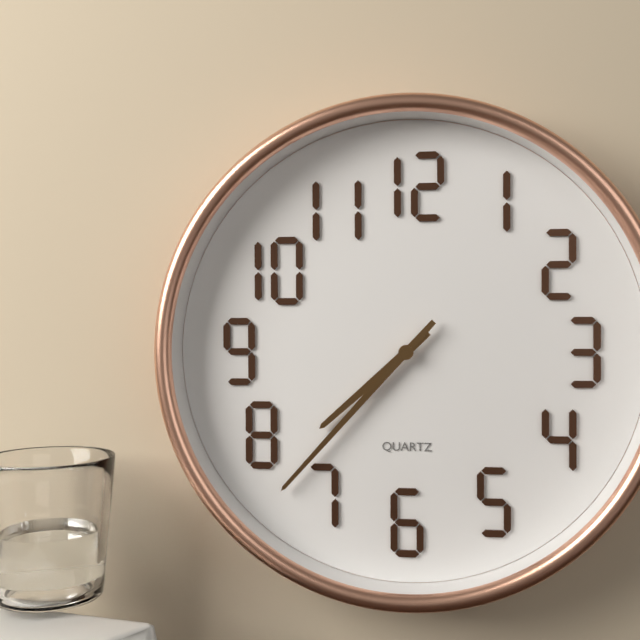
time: 7:37
